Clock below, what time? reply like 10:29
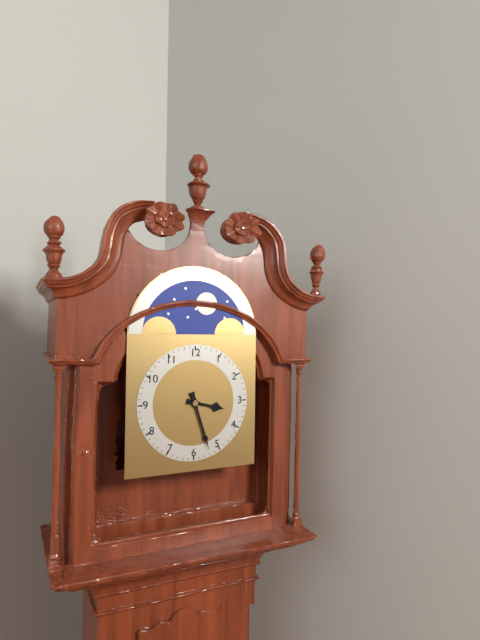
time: 3:27
